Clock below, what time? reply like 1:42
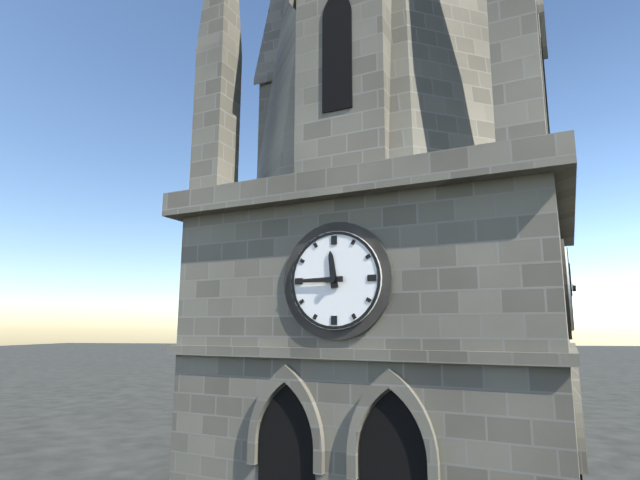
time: 11:45
